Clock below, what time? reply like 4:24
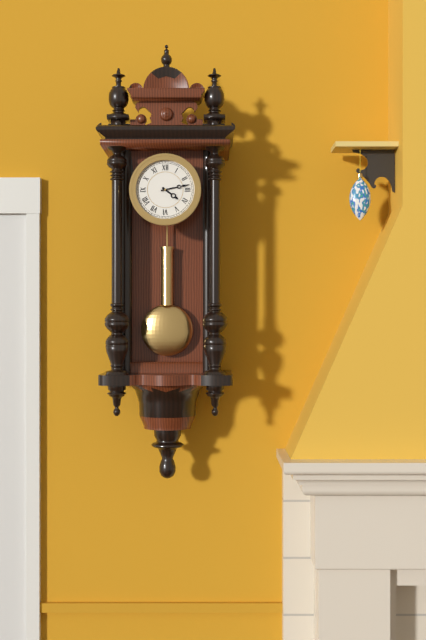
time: 4:13
